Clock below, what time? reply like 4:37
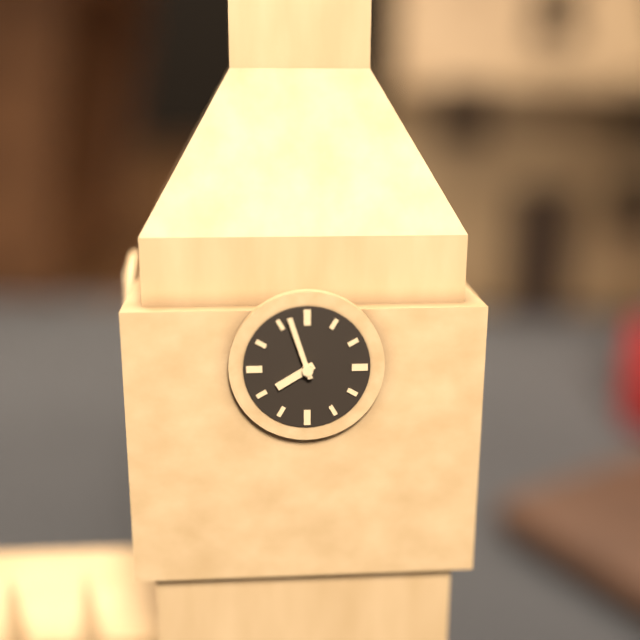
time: 7:57
